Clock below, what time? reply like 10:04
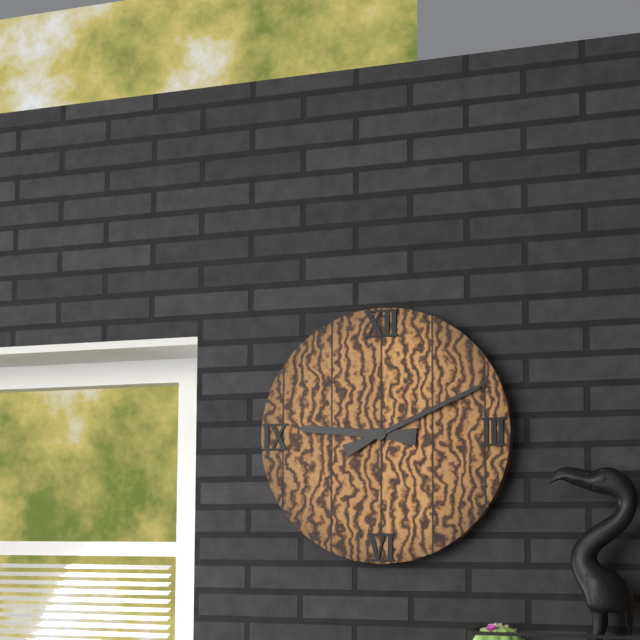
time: 9:11
